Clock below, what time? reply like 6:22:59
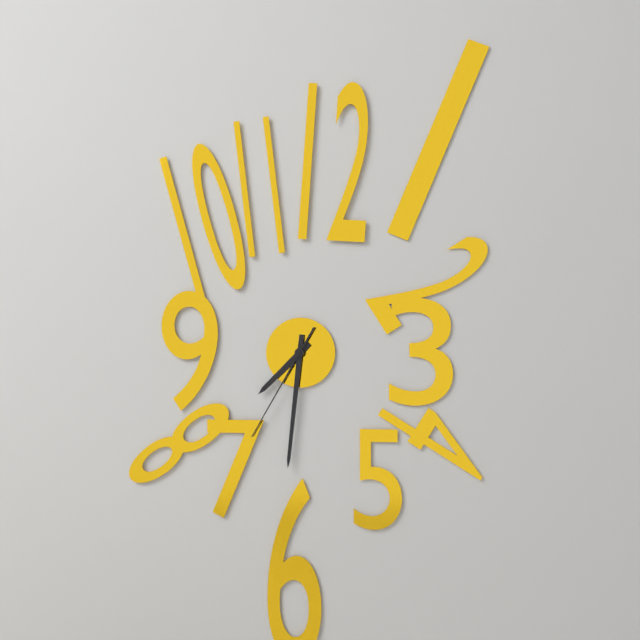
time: 7:31:35
